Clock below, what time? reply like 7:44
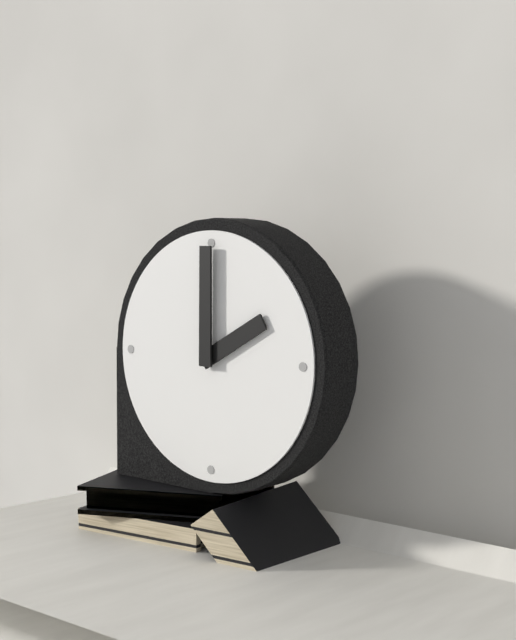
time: 2:00
